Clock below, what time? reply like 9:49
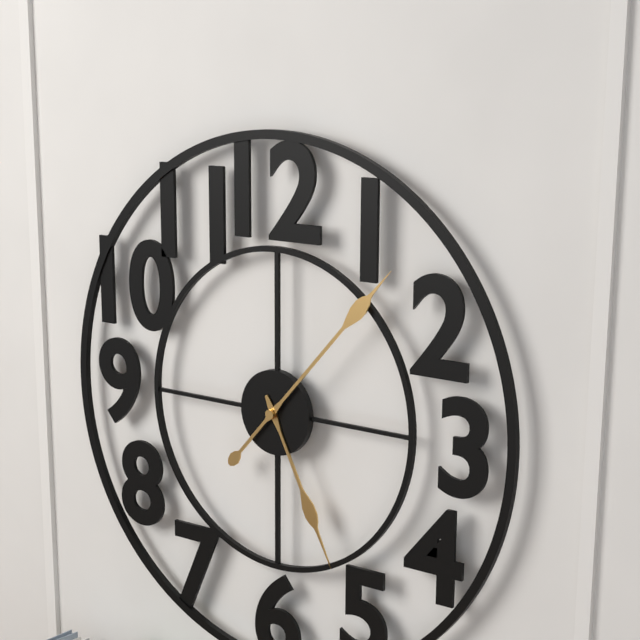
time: 5:07
